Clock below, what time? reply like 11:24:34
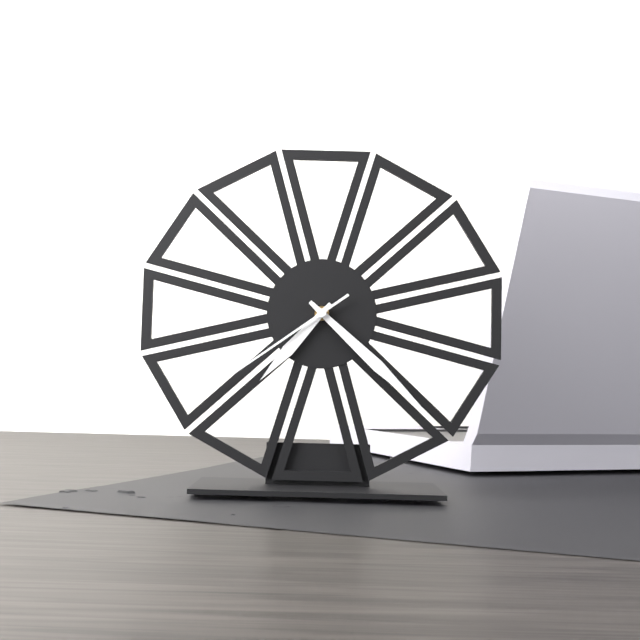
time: 7:22:39
